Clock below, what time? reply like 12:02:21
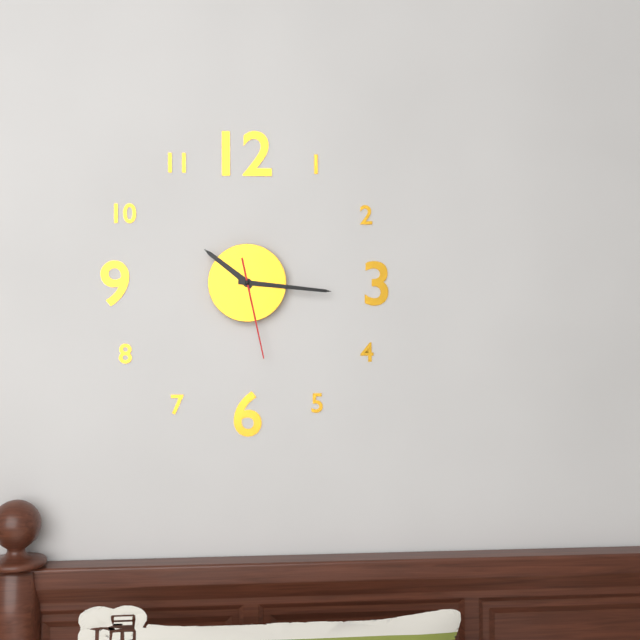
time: 10:16:28
